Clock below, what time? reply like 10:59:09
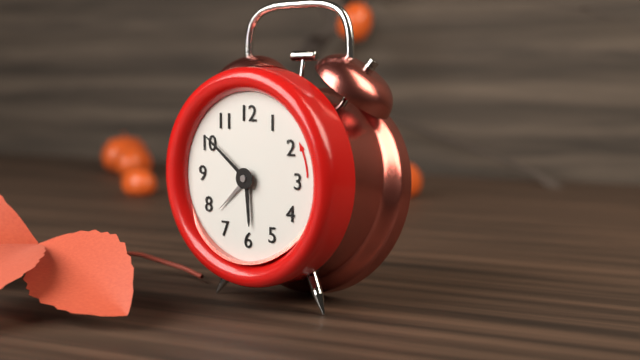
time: 5:51:38
